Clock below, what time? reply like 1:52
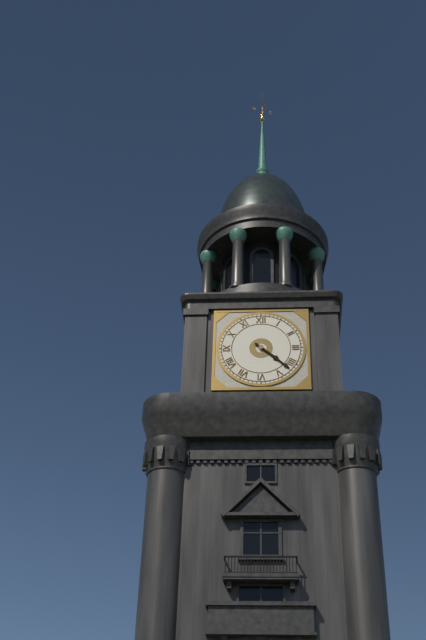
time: 4:22
